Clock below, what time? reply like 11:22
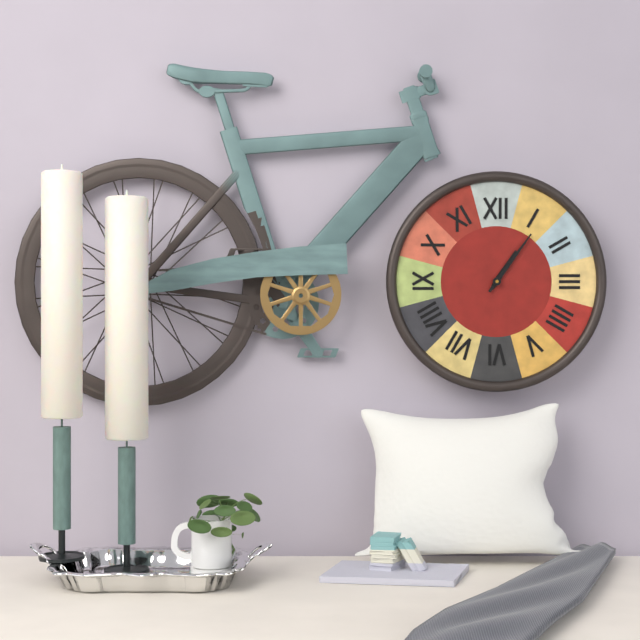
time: 1:06
